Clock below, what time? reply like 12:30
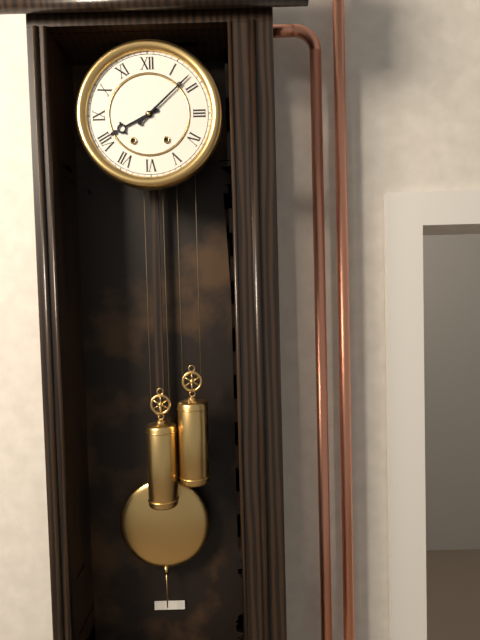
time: 8:08
